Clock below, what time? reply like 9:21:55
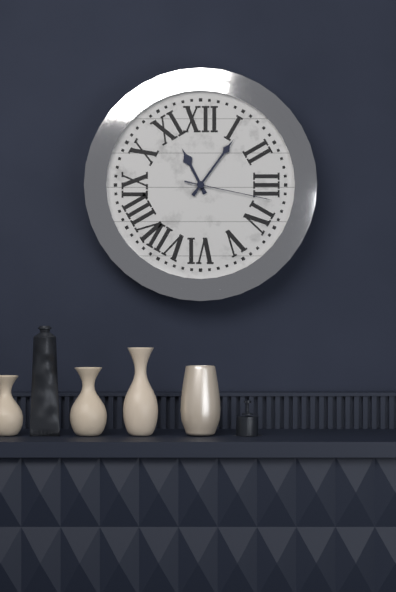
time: 11:06:17
